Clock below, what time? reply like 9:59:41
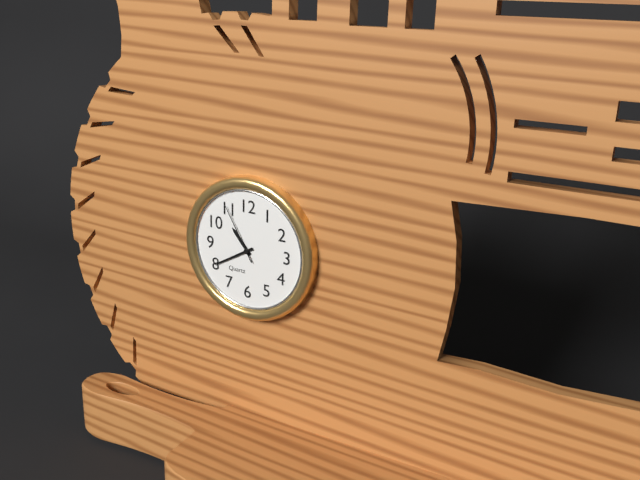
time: 10:40:55
